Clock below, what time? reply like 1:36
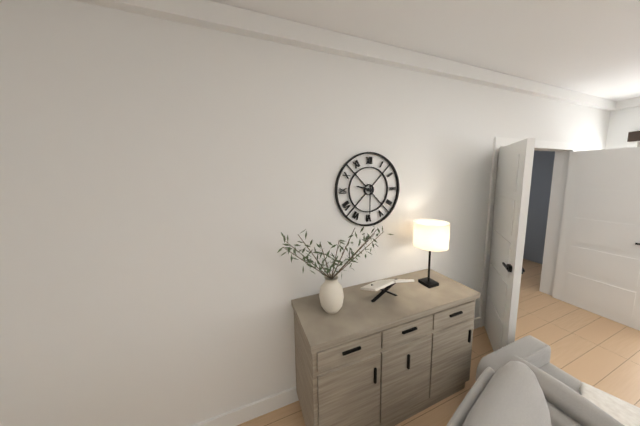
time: 9:30
